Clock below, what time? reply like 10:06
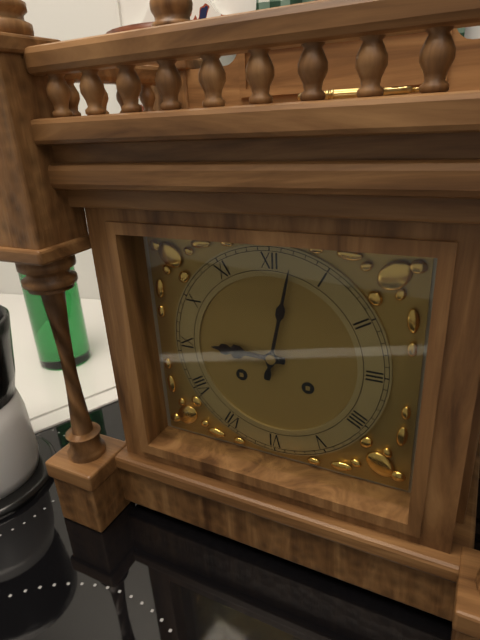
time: 9:02
